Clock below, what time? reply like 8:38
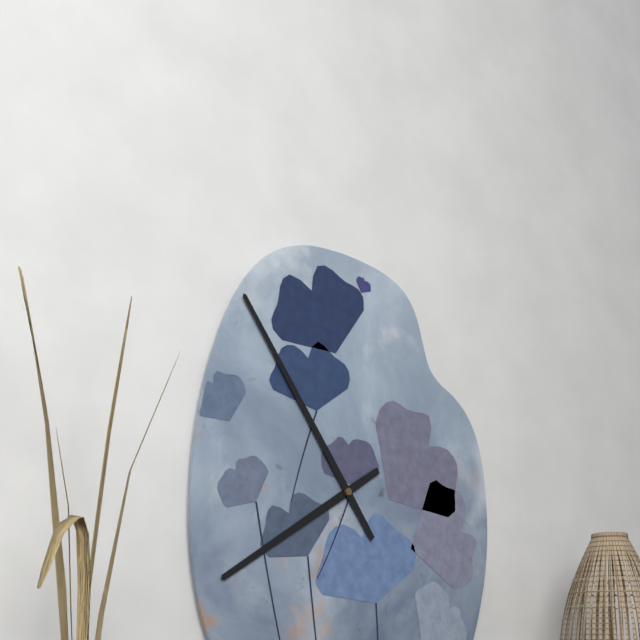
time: 7:54
